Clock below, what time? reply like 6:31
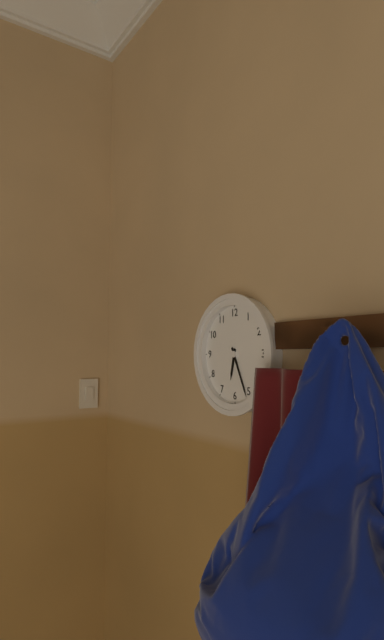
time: 6:26
